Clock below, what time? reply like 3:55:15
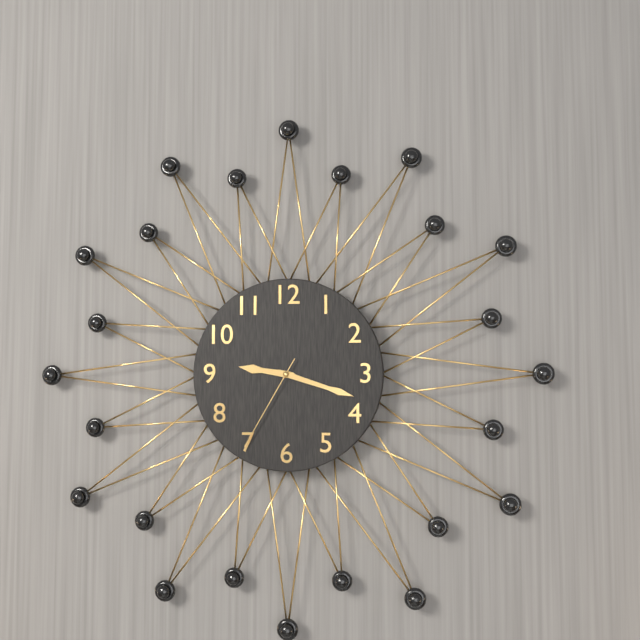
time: 9:18:35
